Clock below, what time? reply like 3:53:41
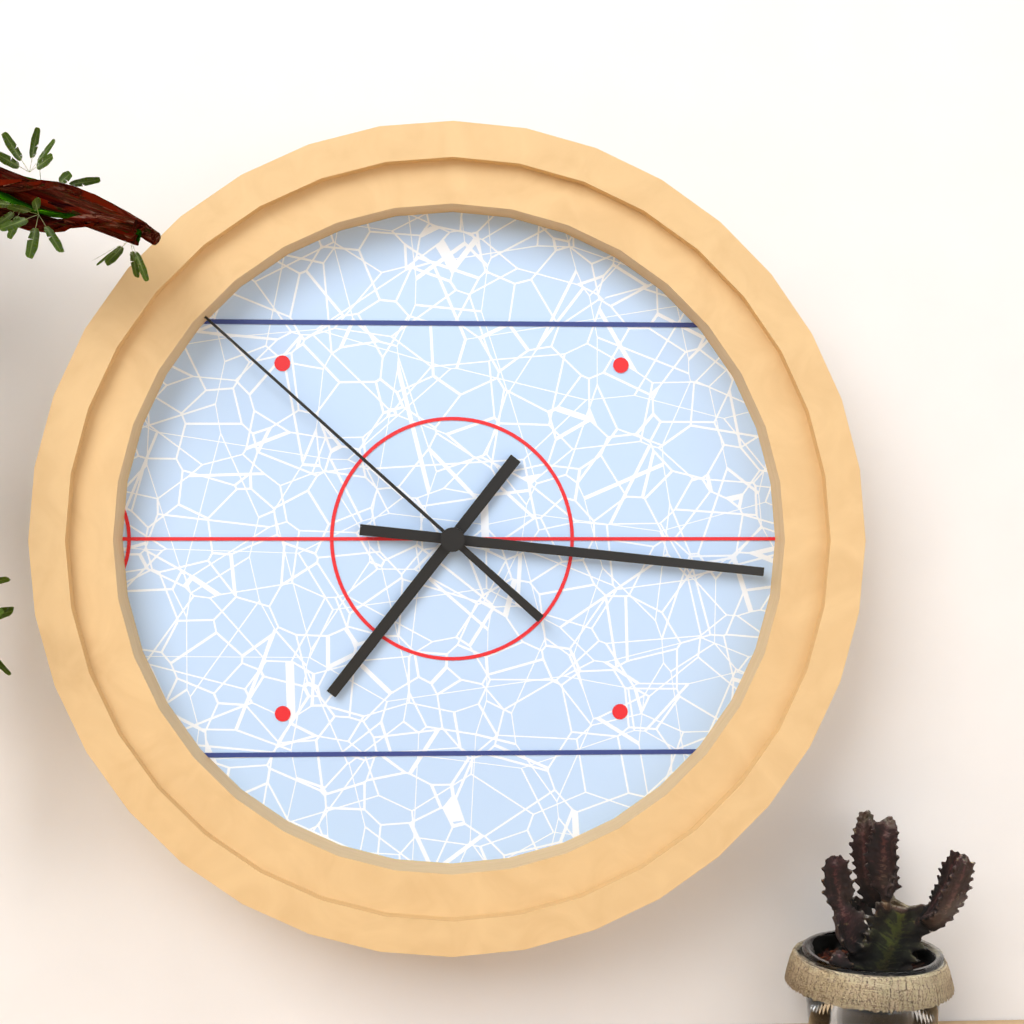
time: 7:16:52
